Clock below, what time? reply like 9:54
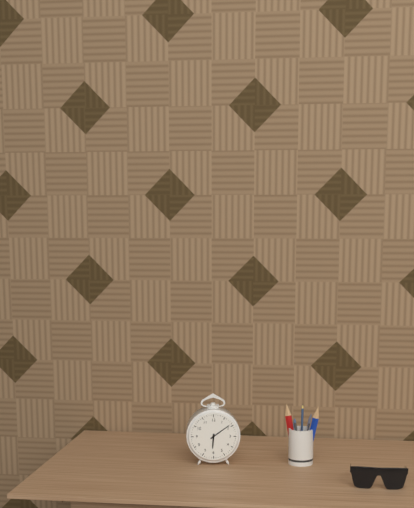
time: 6:09
